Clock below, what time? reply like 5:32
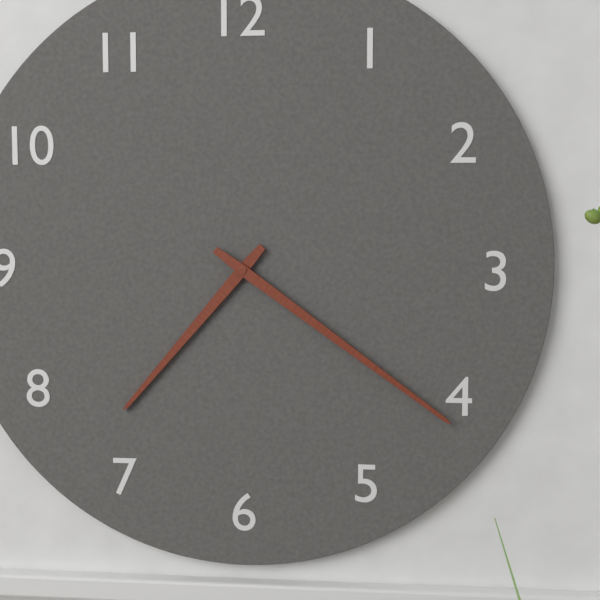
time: 7:21
